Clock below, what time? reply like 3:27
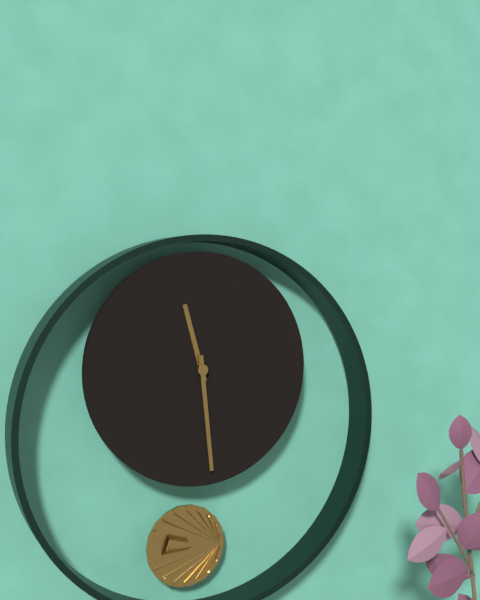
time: 11:29
